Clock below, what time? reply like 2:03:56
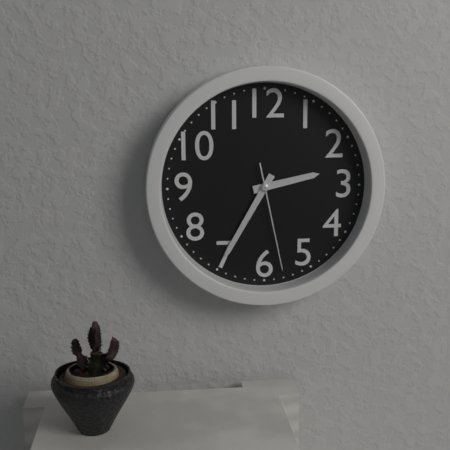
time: 2:35:28
